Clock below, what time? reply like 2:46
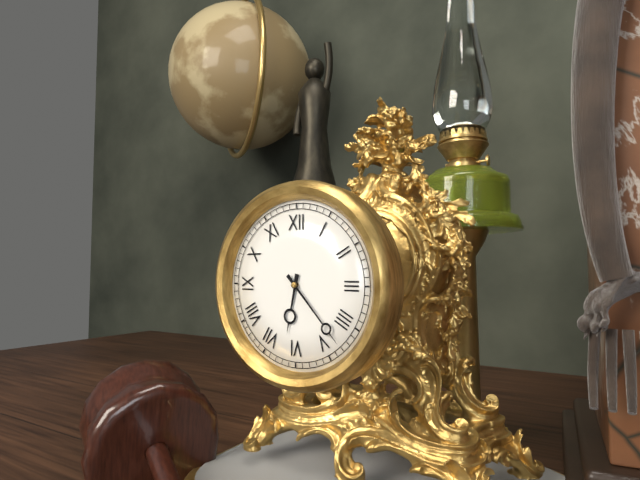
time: 6:23
